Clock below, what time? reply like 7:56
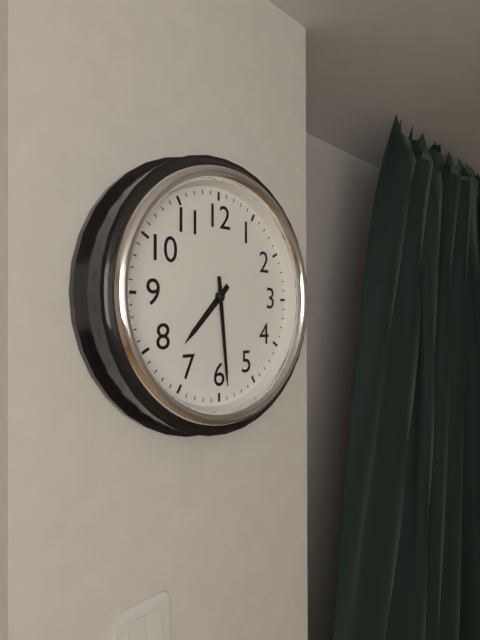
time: 7:29
